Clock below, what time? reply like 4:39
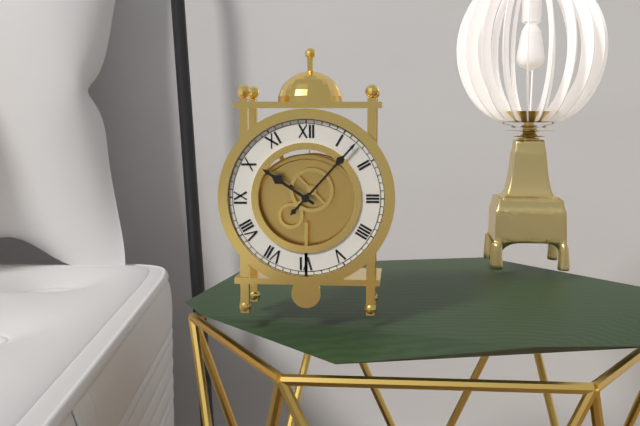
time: 10:07
